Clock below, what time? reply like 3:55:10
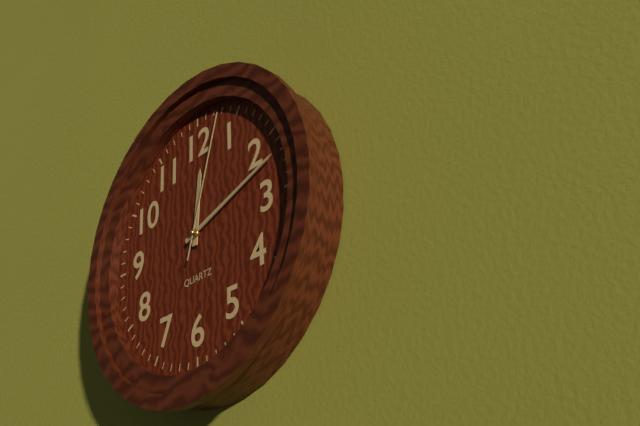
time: 12:12:03
